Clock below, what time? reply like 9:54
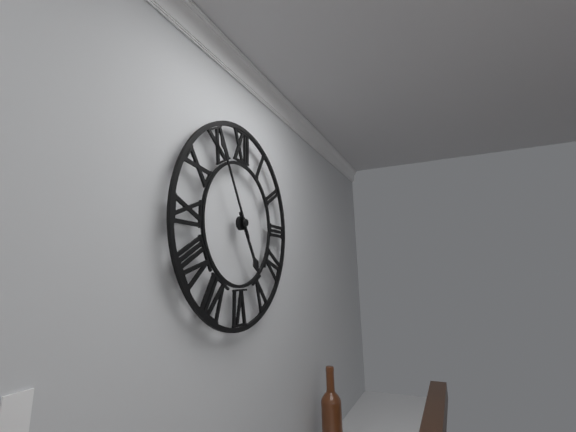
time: 4:55
